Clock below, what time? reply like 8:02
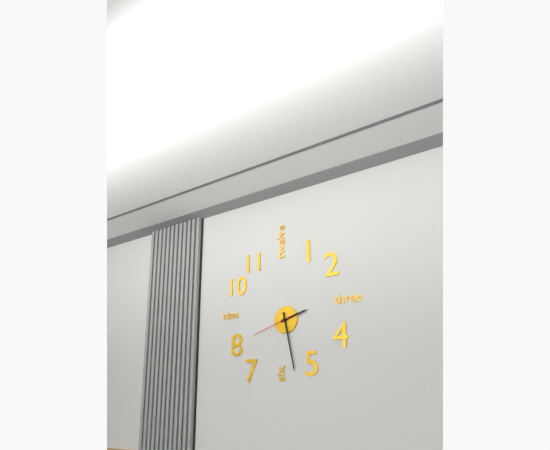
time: 2:28
